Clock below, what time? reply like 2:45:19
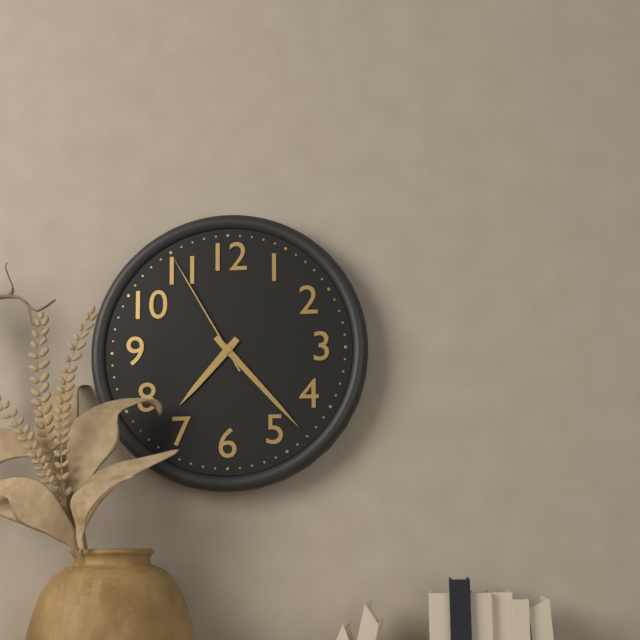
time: 7:23:55
